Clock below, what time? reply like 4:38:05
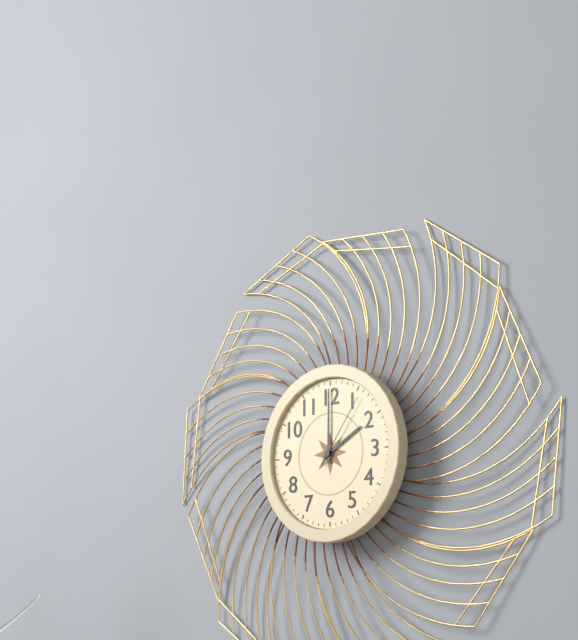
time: 2:00:06
